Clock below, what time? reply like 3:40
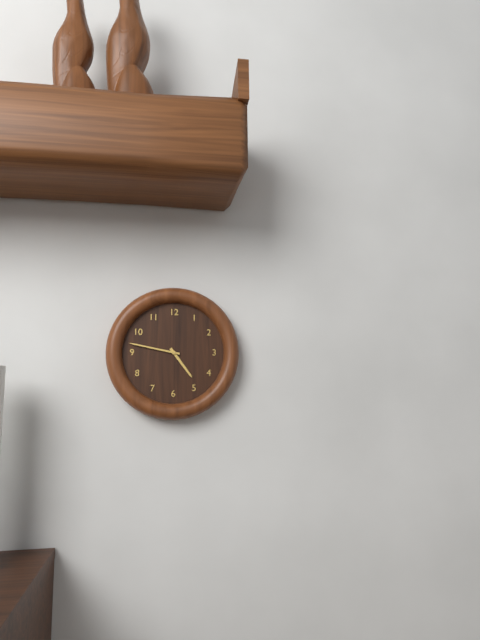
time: 4:47
